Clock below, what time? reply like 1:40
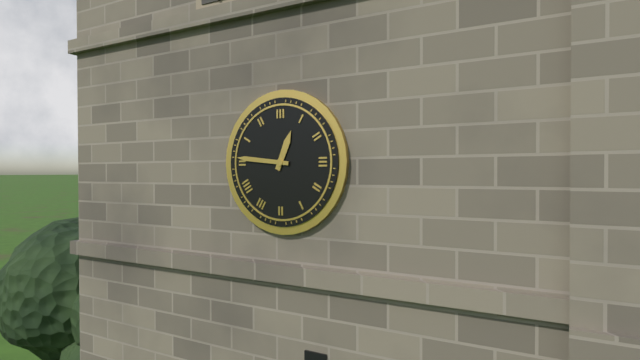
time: 12:46
